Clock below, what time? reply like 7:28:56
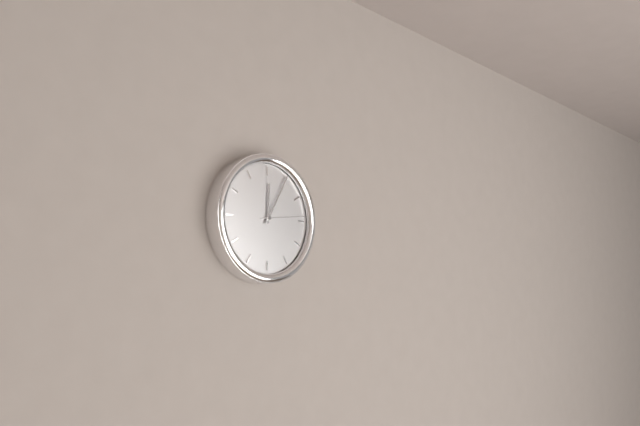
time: 12:05:14
